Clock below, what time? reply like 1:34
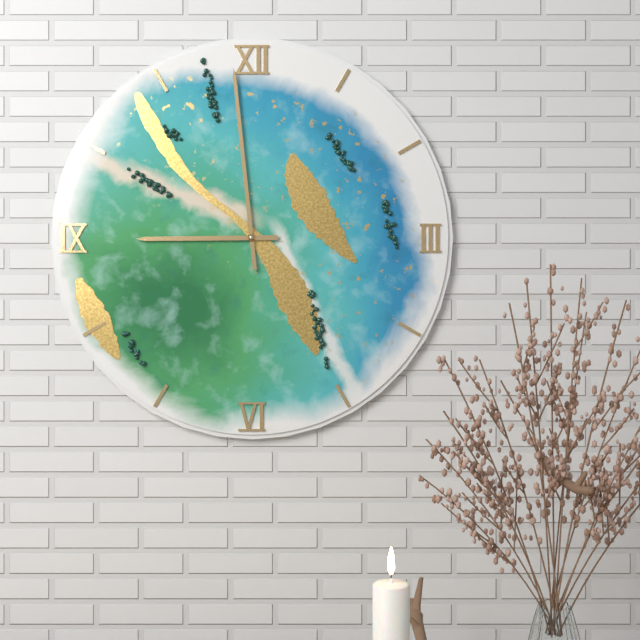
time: 8:59
